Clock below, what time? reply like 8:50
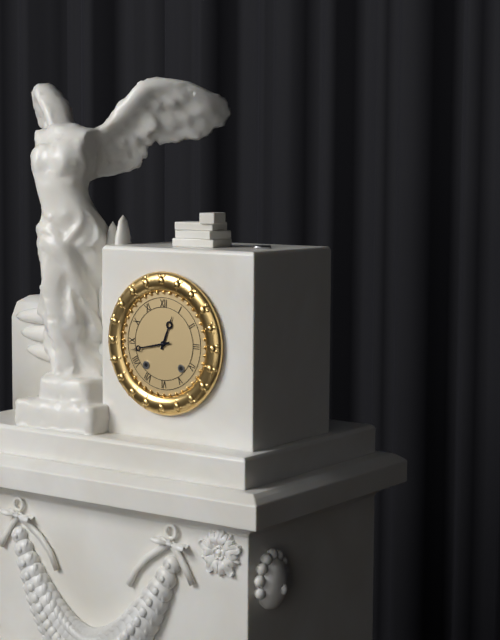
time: 12:43
